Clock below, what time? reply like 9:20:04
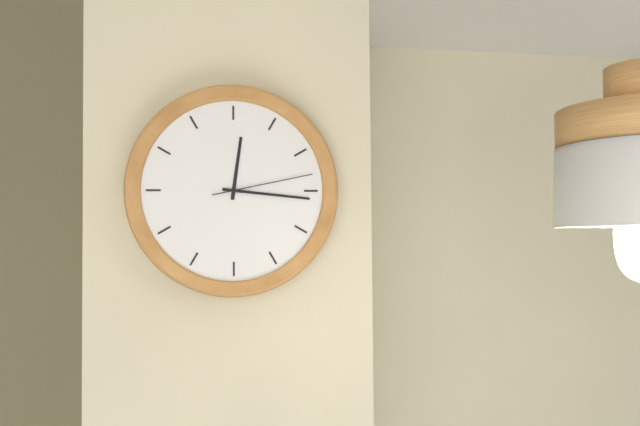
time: 12:16:13
